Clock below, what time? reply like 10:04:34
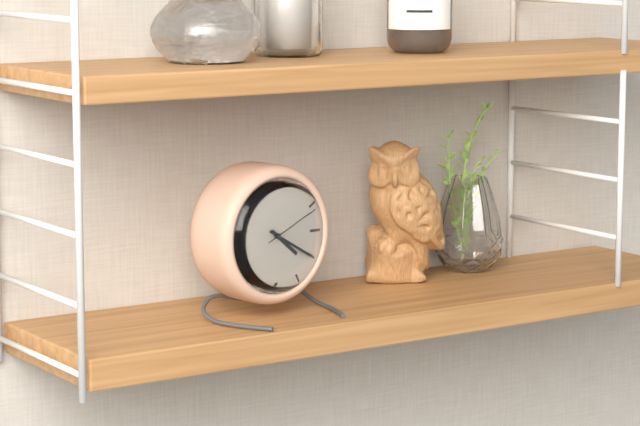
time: 4:20:11
